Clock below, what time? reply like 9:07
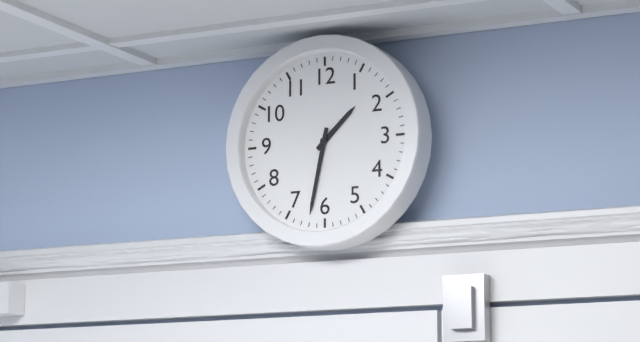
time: 1:32
